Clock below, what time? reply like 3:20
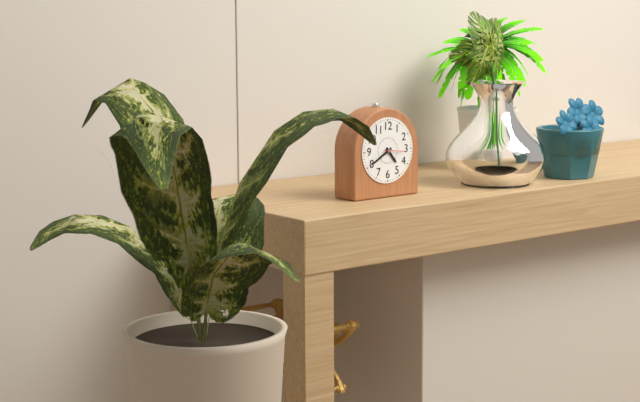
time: 4:40
